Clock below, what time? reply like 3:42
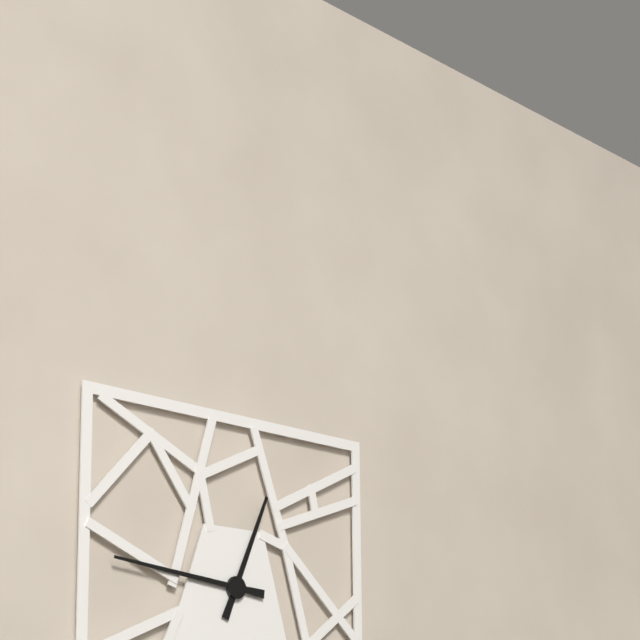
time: 12:46
